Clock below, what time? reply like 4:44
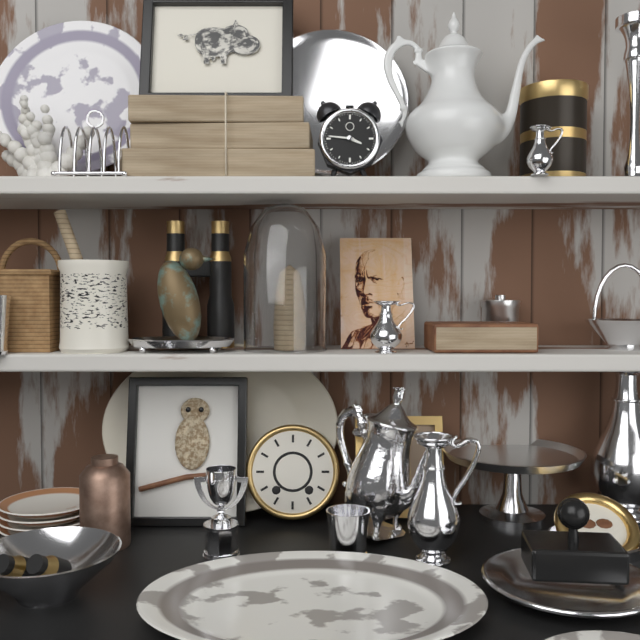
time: 3:46
